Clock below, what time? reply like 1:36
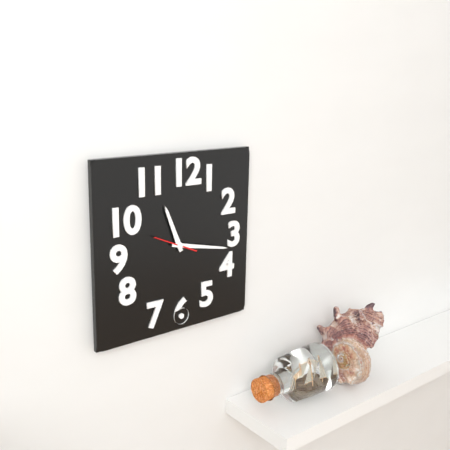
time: 11:17
